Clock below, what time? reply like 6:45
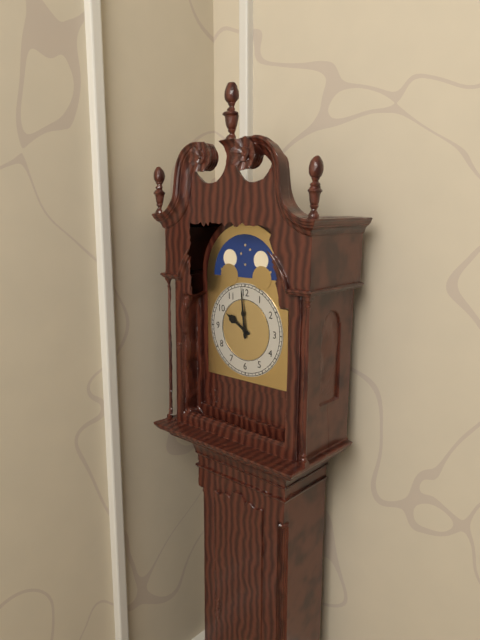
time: 9:59
